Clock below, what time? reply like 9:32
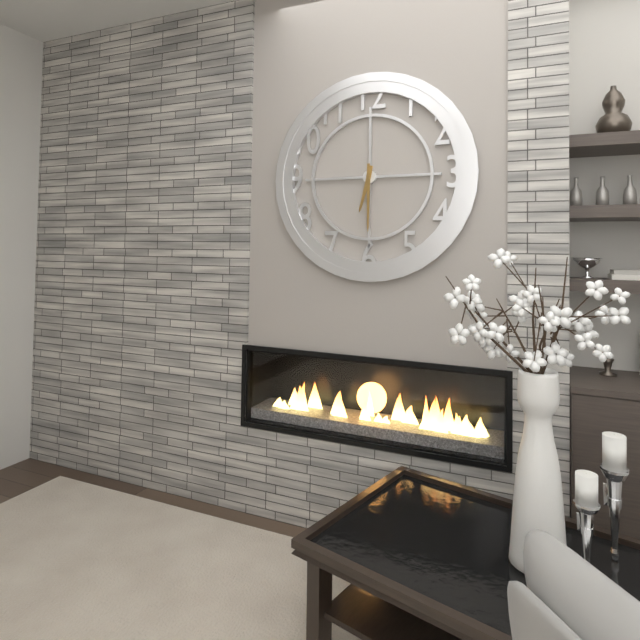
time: 6:30
